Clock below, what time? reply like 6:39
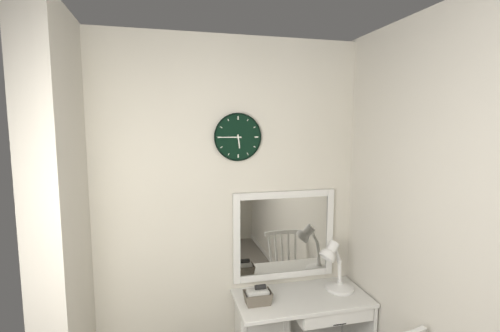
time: 5:45
